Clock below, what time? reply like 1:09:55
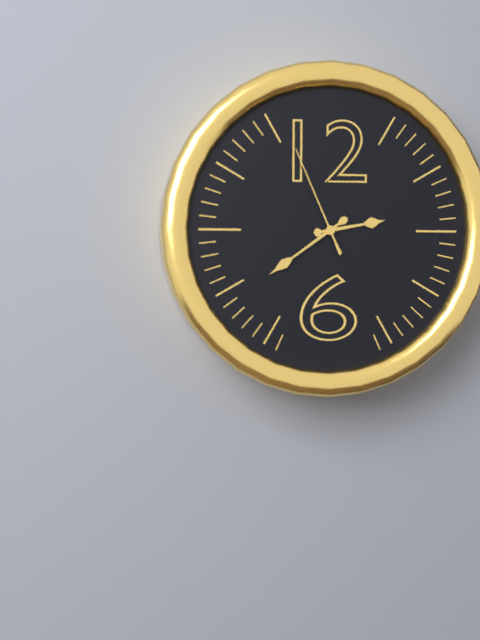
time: 2:39:56
